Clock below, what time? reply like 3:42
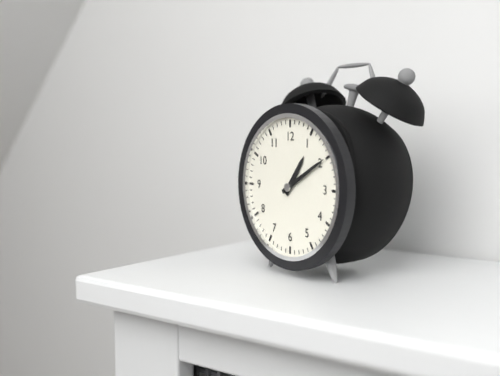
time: 1:10
